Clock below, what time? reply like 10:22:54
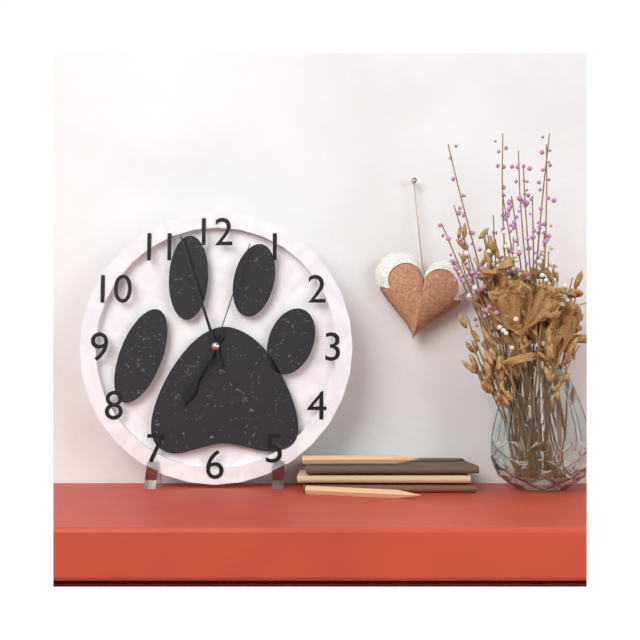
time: 6:57:03
